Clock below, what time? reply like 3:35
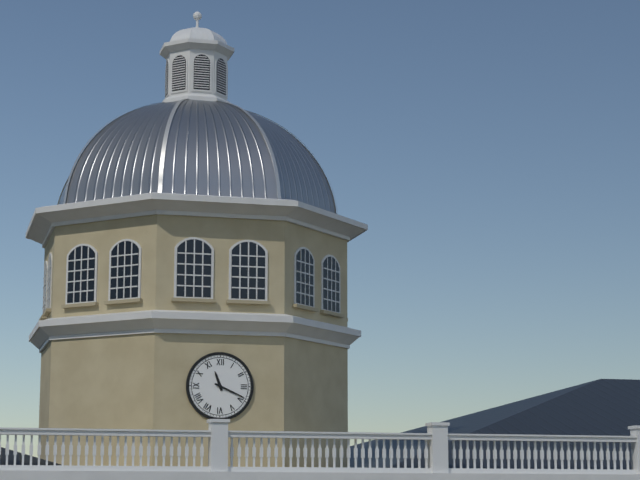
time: 11:19
